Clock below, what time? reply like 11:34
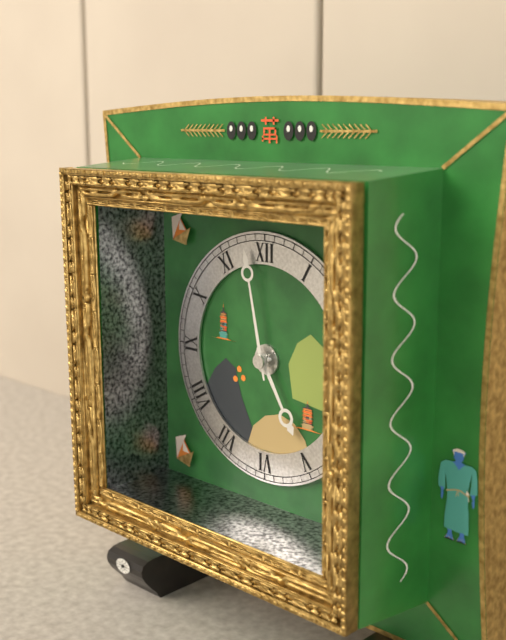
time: 4:58
